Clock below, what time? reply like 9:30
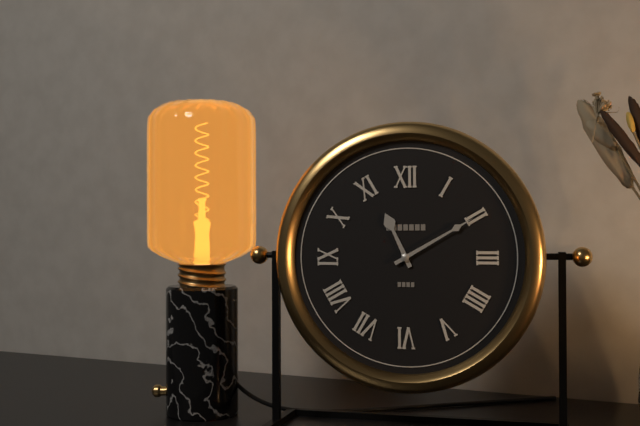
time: 11:10
